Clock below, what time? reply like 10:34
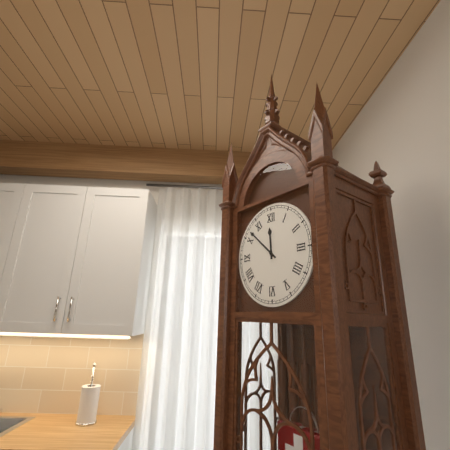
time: 11:52
